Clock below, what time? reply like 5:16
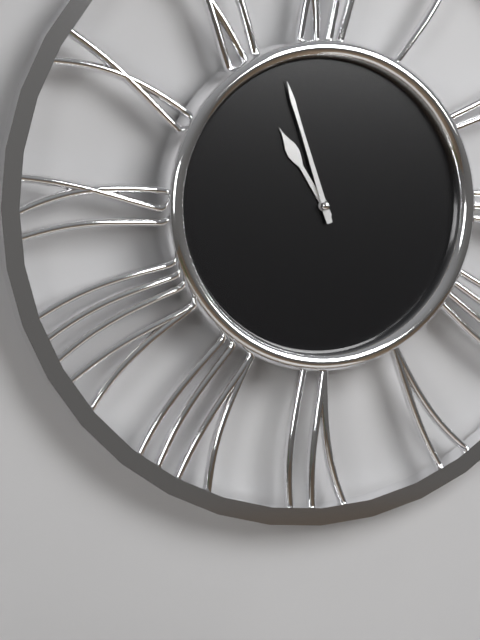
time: 10:57
